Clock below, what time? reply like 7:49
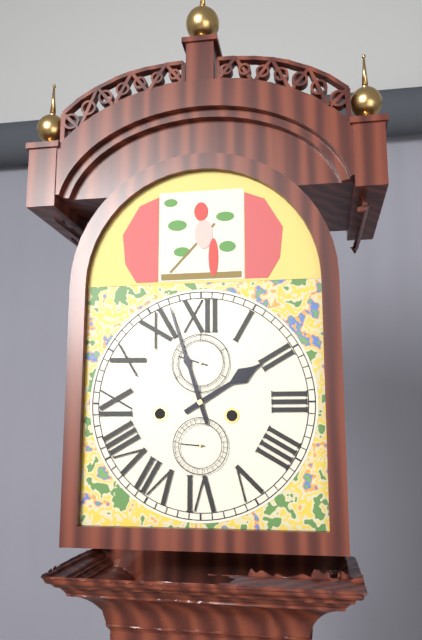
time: 1:57
